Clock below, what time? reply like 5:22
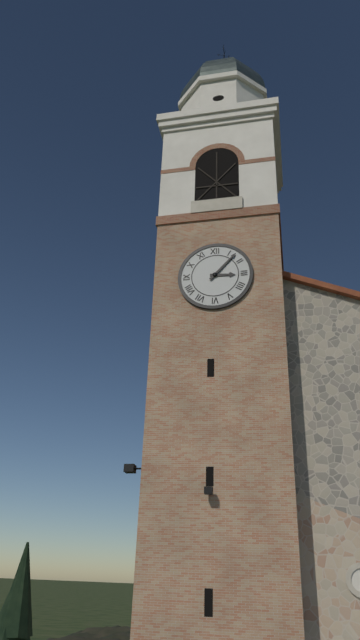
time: 3:07
